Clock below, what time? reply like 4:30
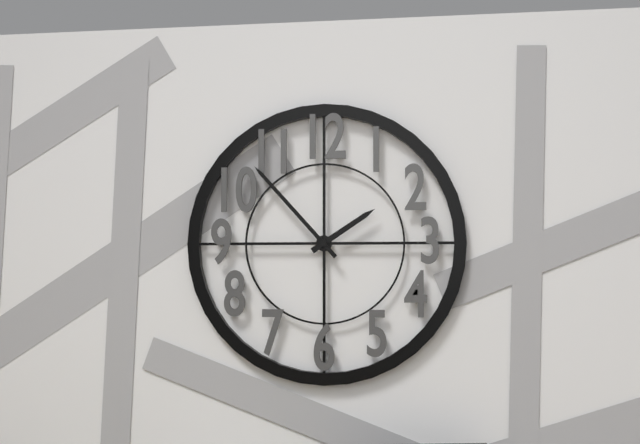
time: 1:53
